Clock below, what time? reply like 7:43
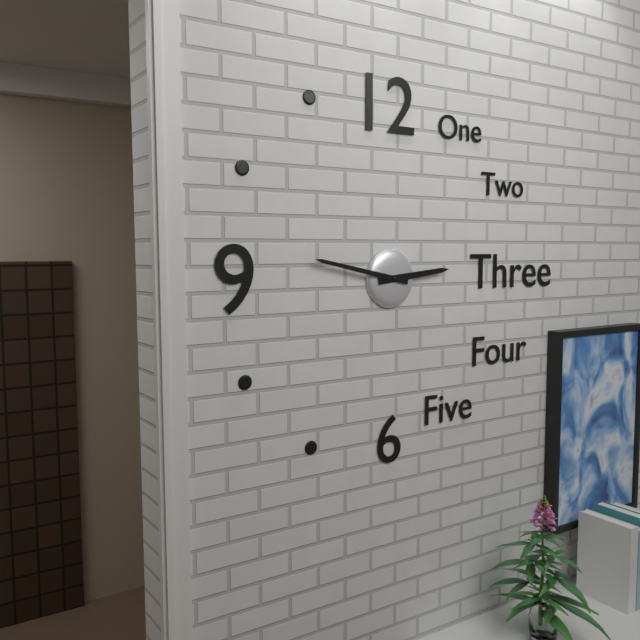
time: 2:47
